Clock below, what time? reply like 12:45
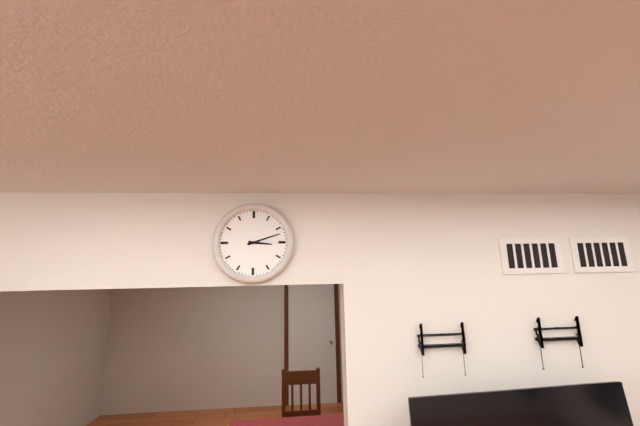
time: 3:12
